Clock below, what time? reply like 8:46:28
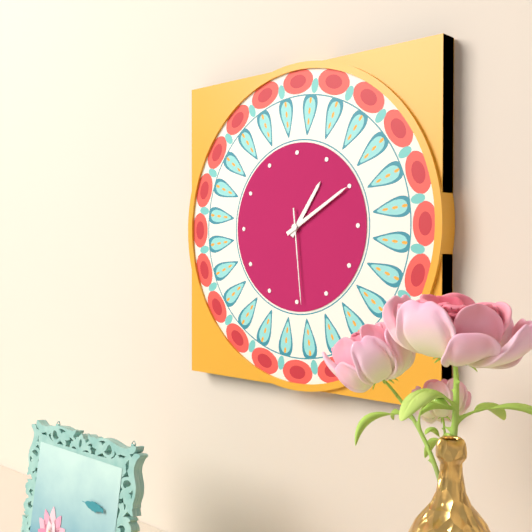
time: 1:10:29
